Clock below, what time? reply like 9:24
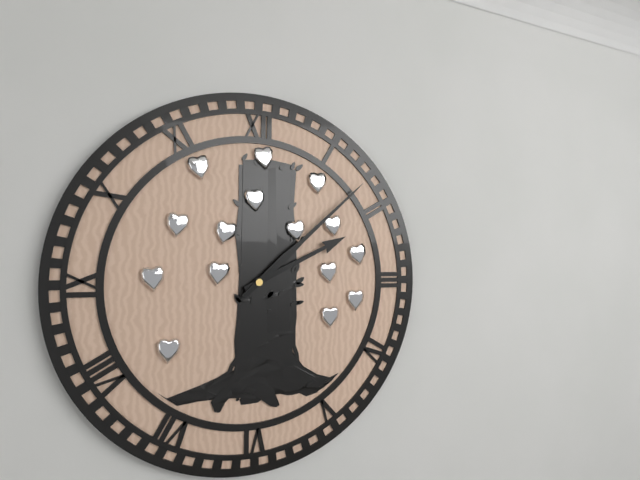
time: 2:08
